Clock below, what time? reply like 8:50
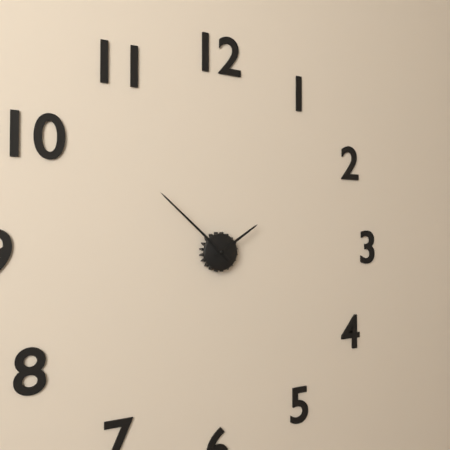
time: 1:52
